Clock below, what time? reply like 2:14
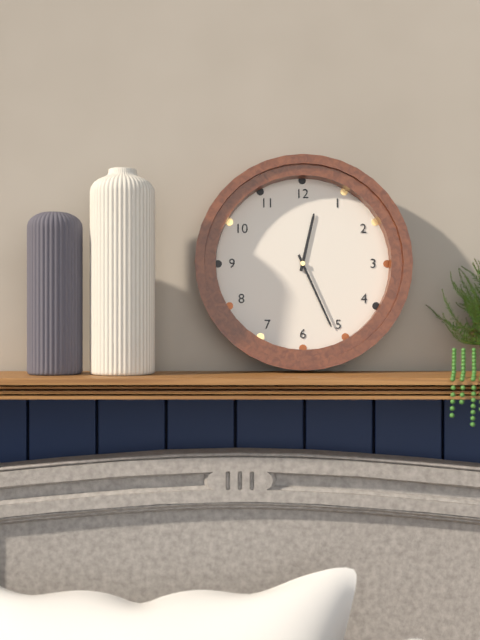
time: 12:26
